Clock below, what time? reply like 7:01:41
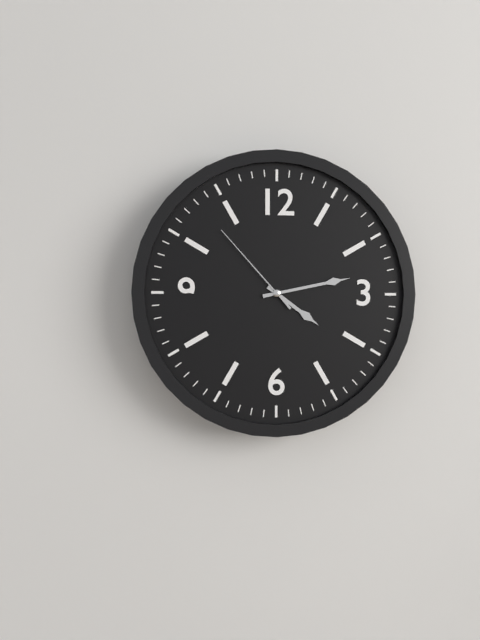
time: 4:13:53
